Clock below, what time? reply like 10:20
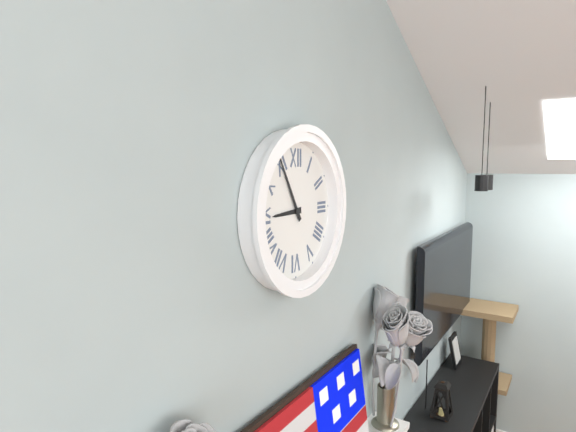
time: 8:55
